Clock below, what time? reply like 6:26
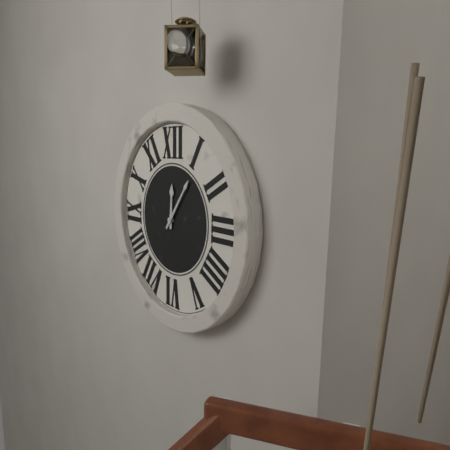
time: 12:06
